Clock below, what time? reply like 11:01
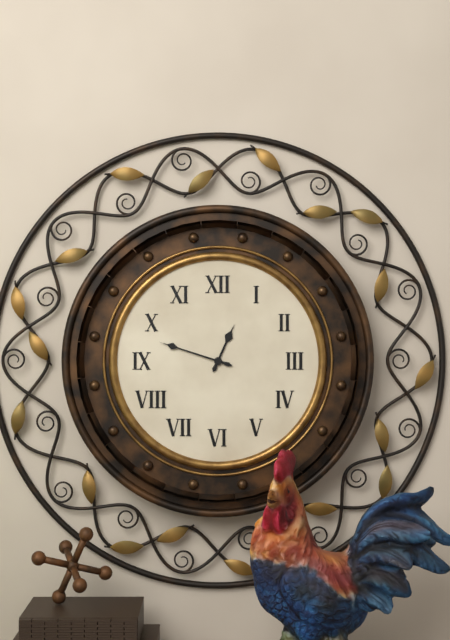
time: 12:48
